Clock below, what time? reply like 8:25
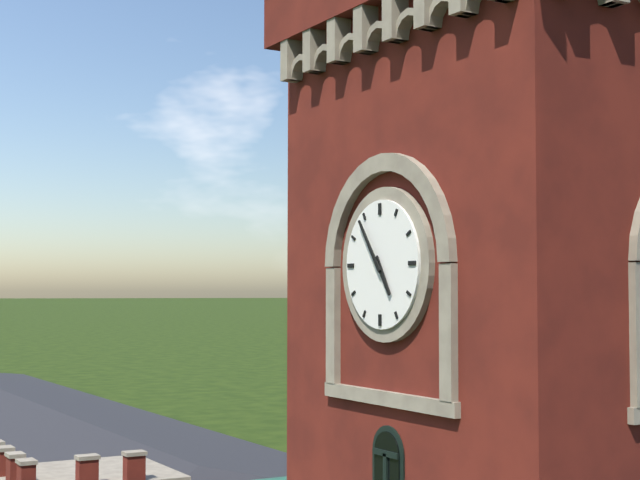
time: 4:54
